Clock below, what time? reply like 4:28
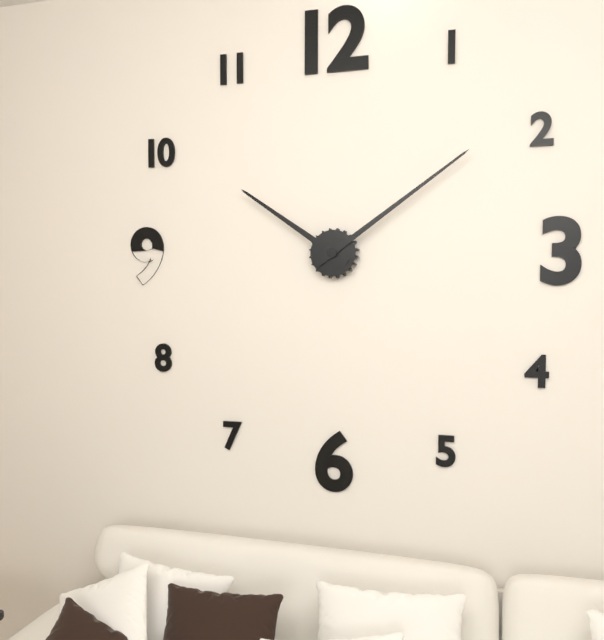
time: 10:09
